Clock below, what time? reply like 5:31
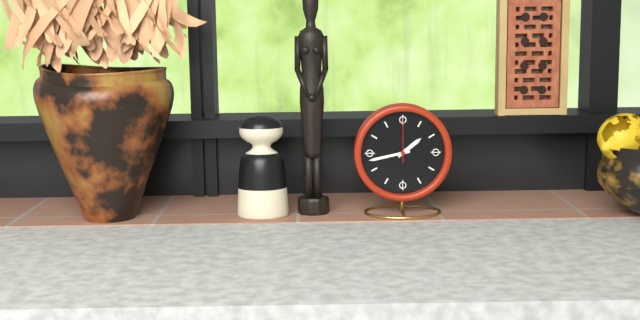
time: 1:43
